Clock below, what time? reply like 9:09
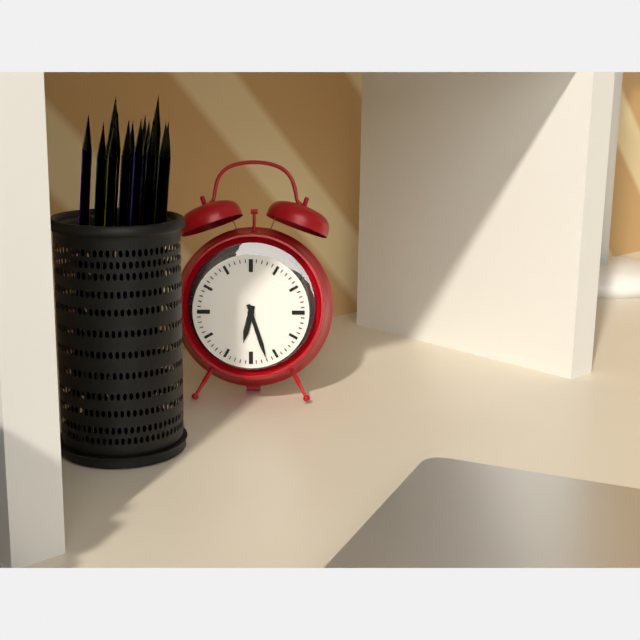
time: 6:27
